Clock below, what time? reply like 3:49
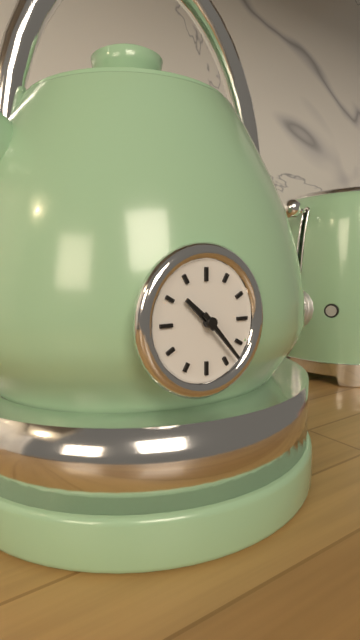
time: 10:23
